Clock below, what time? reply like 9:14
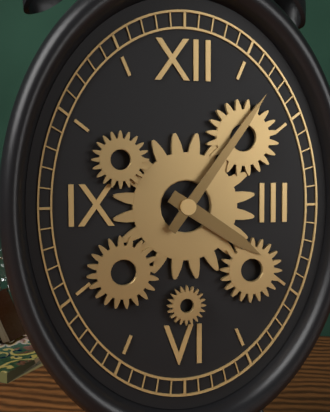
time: 4:06
